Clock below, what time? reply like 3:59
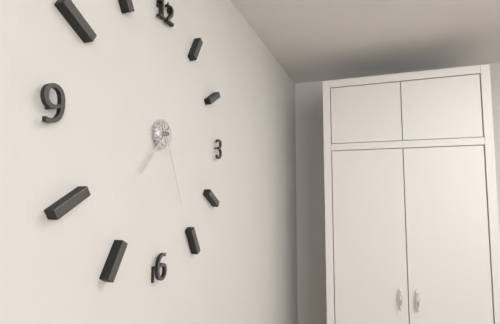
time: 7:26
